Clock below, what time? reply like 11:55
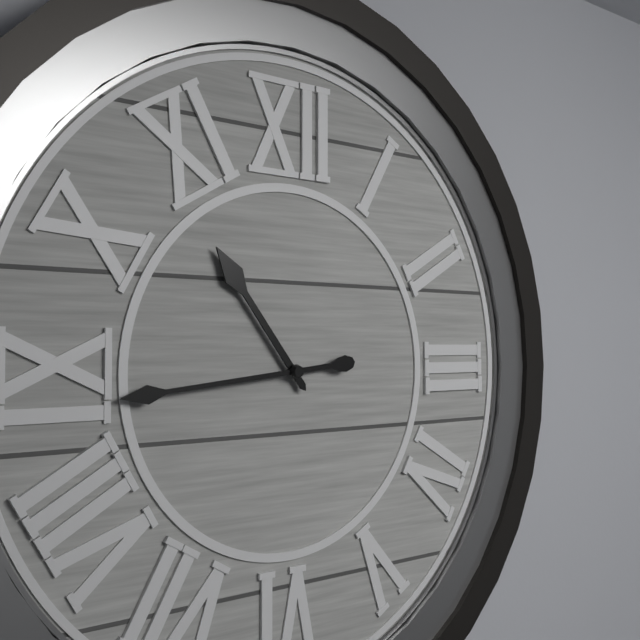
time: 10:44
